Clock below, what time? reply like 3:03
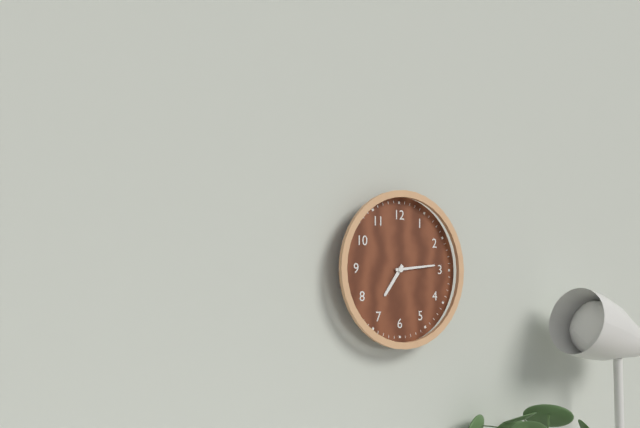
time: 7:14
